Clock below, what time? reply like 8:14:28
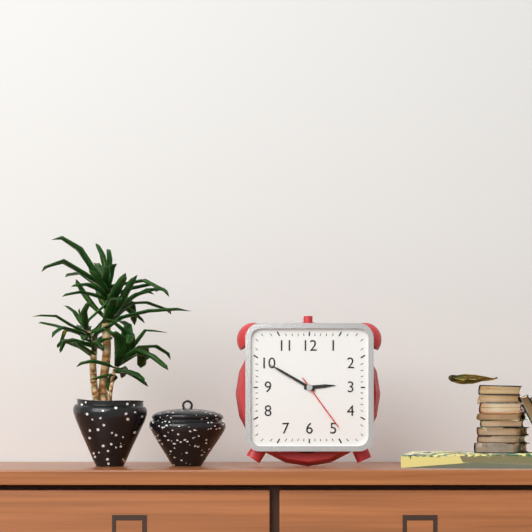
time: 2:50:24
